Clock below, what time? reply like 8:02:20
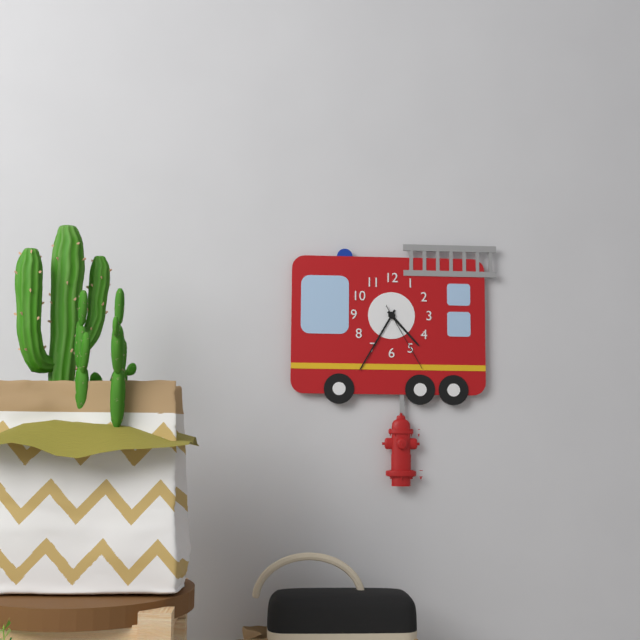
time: 4:35:25
